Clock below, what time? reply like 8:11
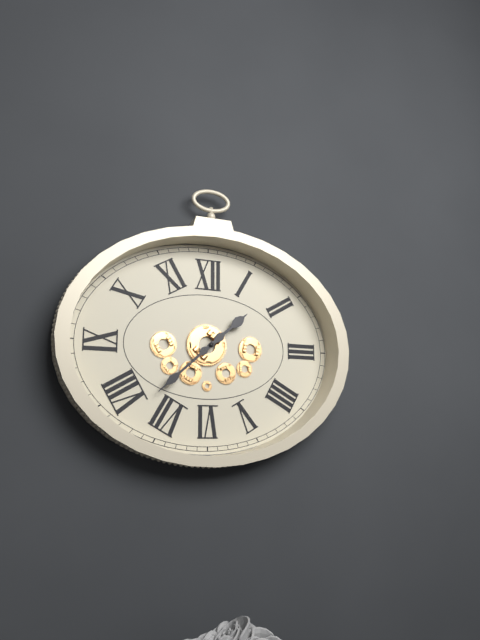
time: 1:38
